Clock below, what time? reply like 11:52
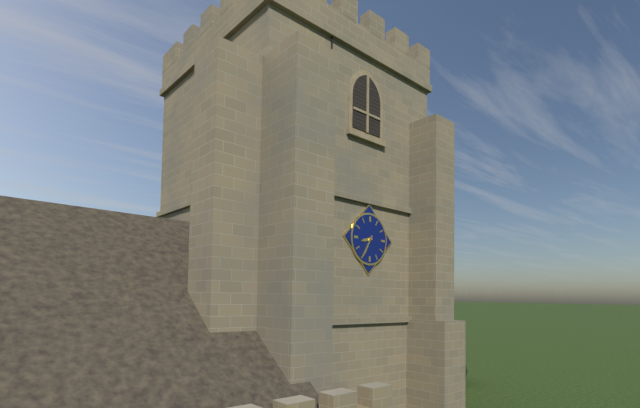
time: 8:35
